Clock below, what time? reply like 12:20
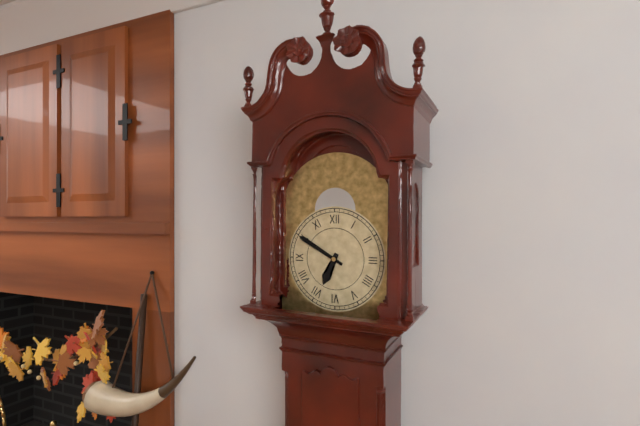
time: 6:50
